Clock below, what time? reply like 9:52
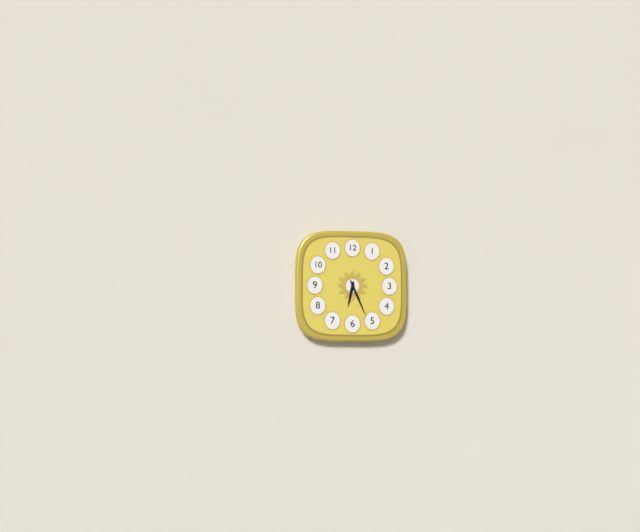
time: 6:26
